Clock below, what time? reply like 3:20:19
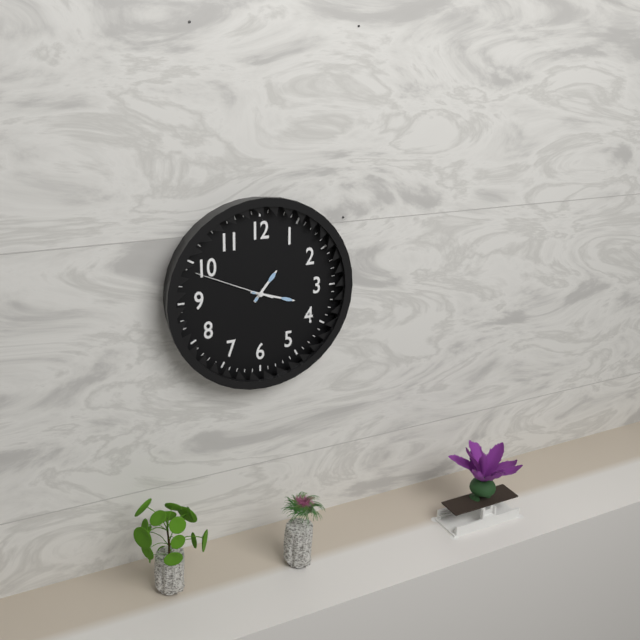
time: 1:18:49
